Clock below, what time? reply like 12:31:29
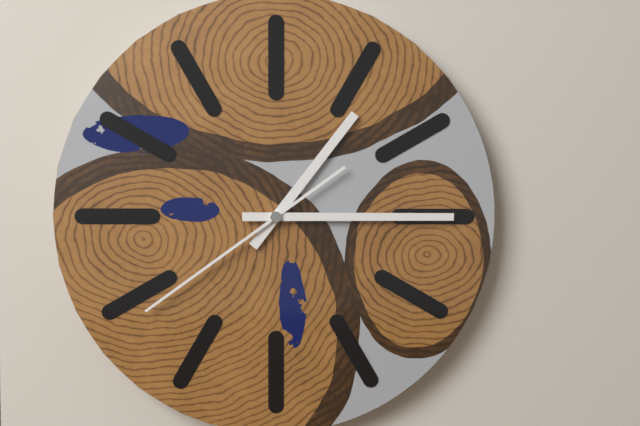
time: 1:15:39
